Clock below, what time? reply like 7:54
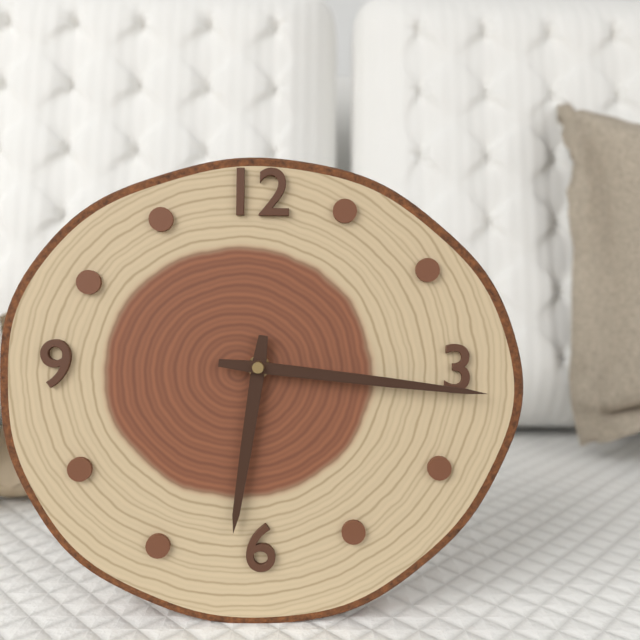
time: 6:16
